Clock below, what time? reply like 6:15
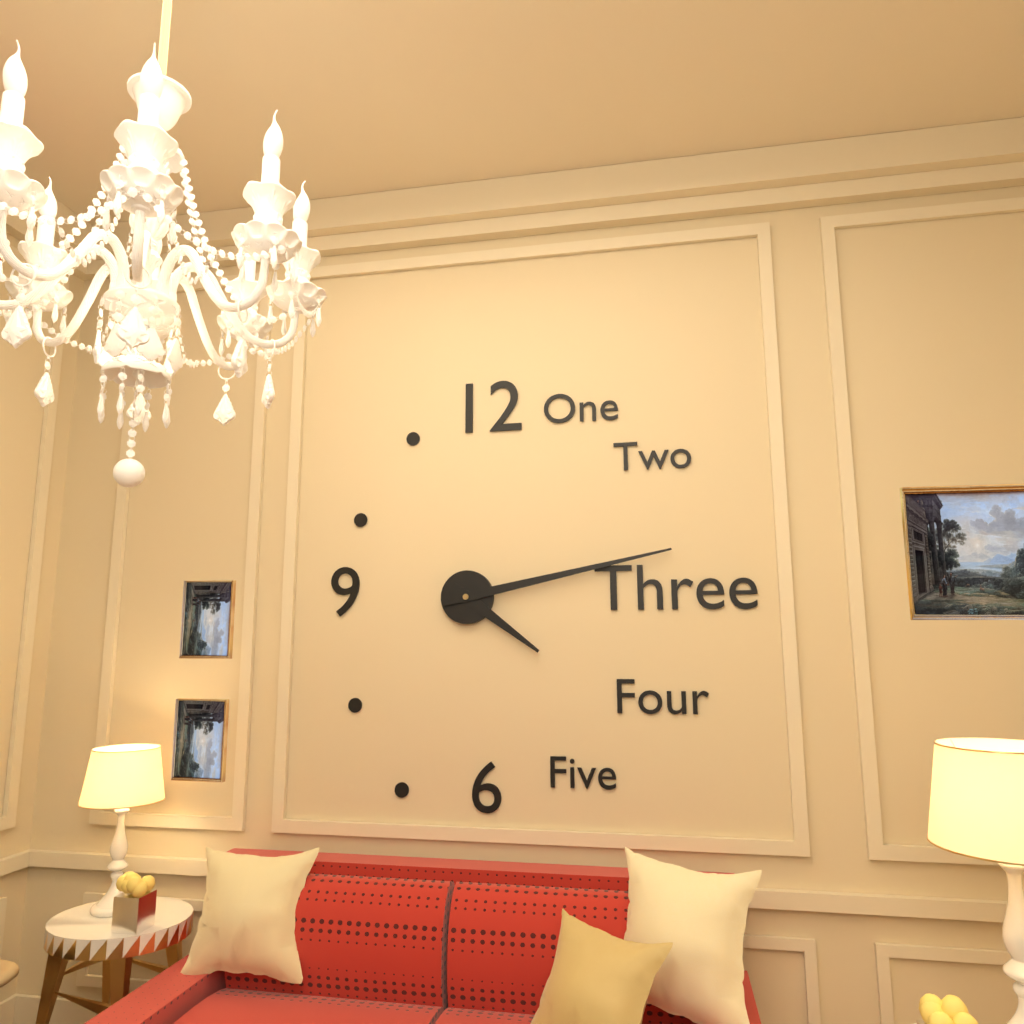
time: 4:13
